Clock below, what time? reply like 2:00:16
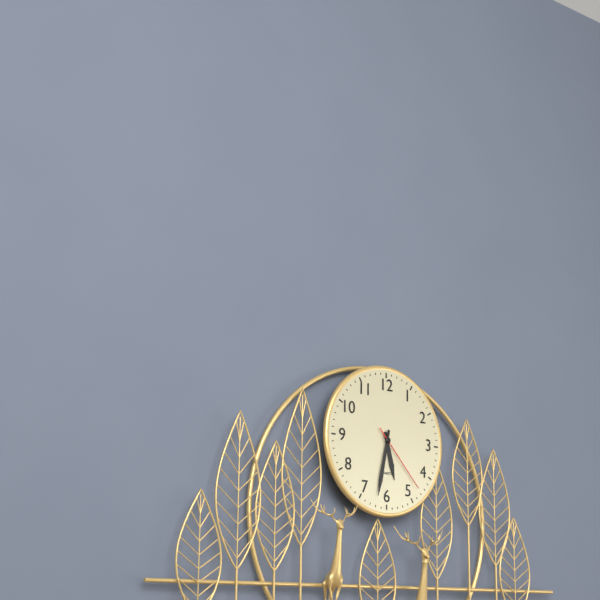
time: 5:32:23
